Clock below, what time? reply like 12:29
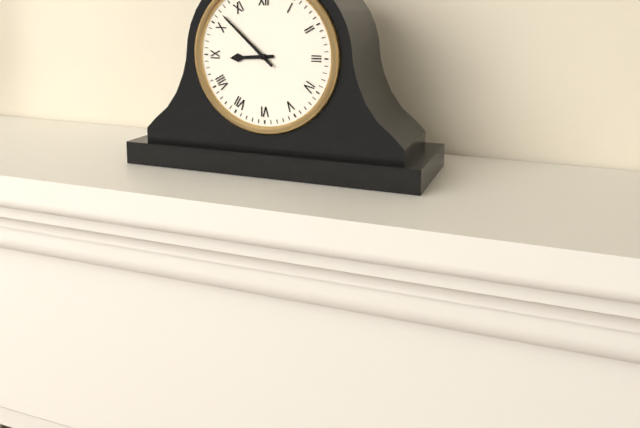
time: 8:52
